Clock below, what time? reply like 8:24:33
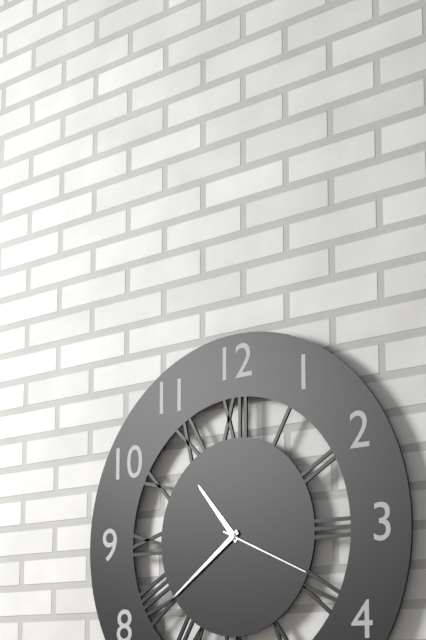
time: 10:39:19
